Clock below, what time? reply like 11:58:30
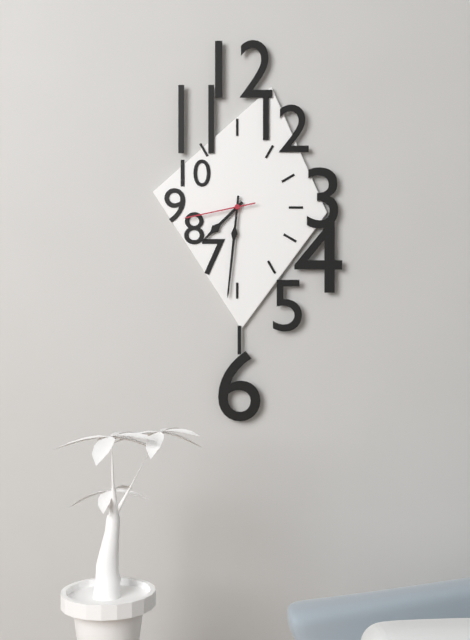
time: 7:31:43
